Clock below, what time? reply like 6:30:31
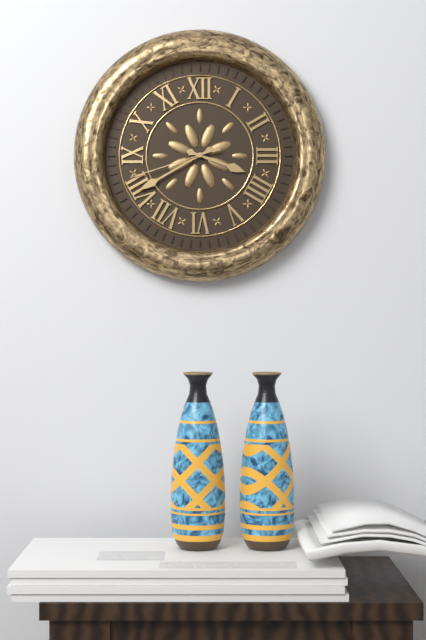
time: 3:40:42
